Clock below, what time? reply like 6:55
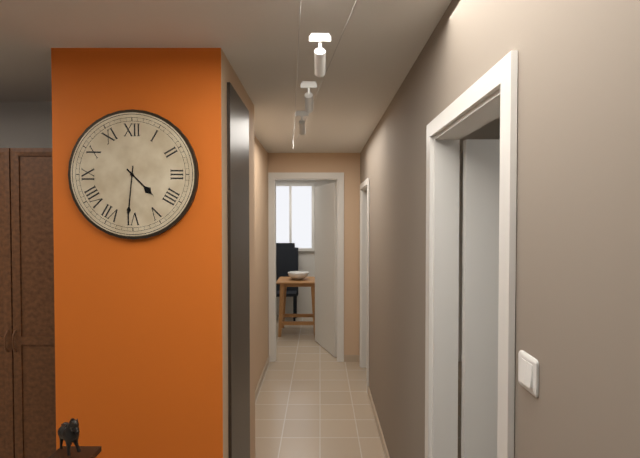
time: 4:31
